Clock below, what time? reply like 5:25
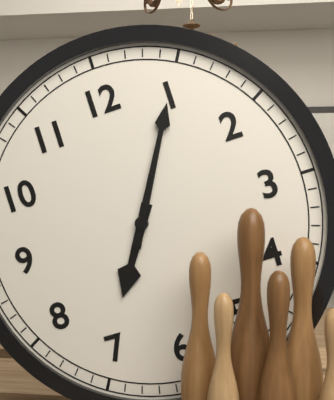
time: 7:05
